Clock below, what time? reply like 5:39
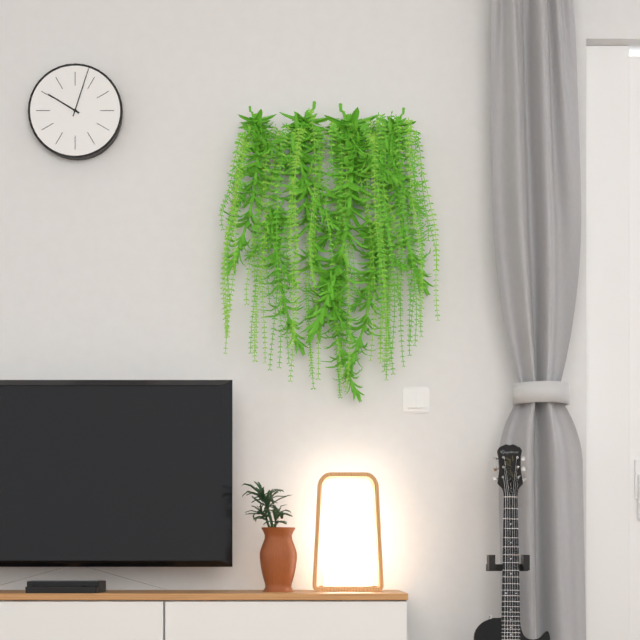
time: 10:03
